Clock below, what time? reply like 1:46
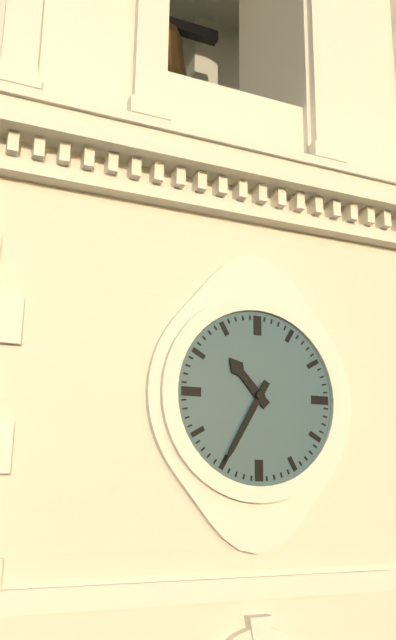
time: 10:35
